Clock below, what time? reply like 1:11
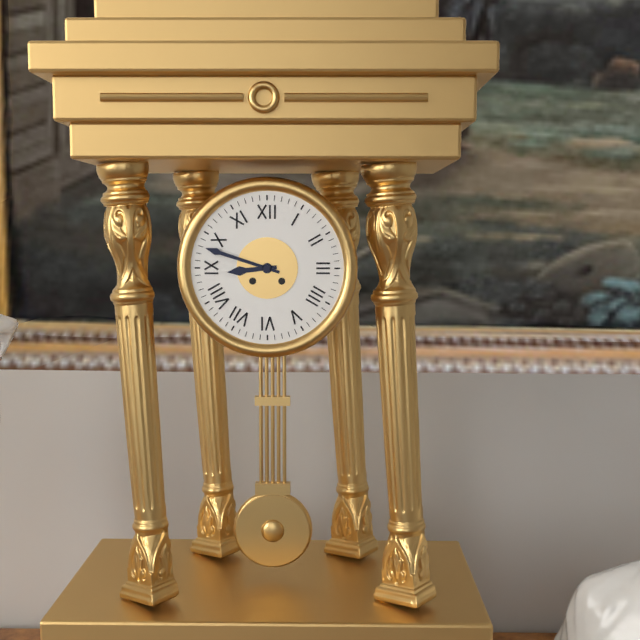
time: 8:48
